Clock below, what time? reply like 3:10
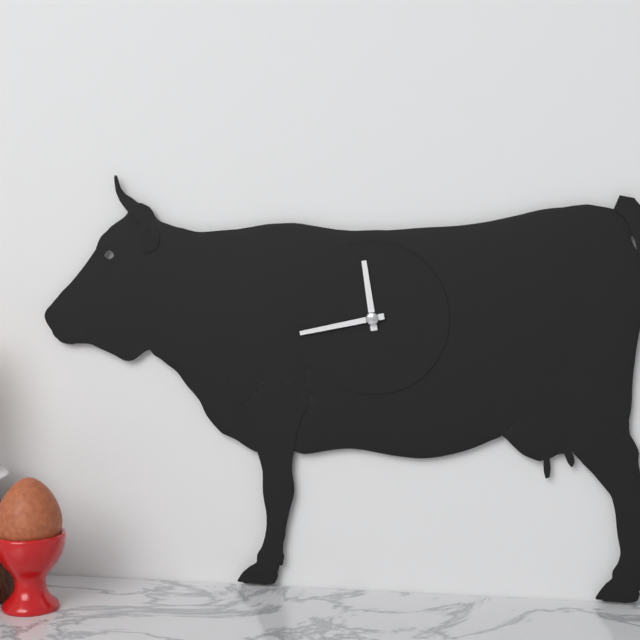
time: 11:43
